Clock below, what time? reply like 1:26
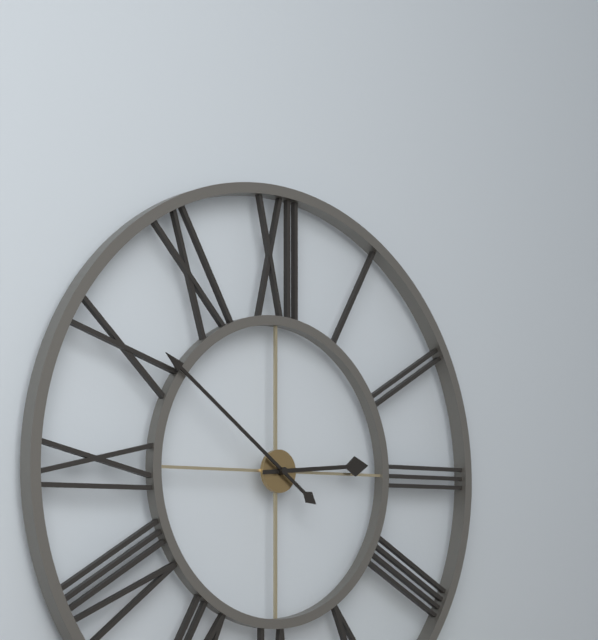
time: 2:51
